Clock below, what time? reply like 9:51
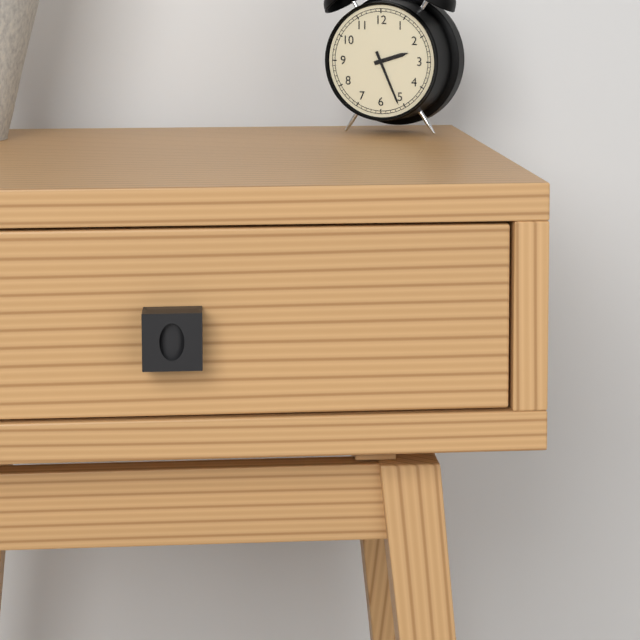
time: 2:26
